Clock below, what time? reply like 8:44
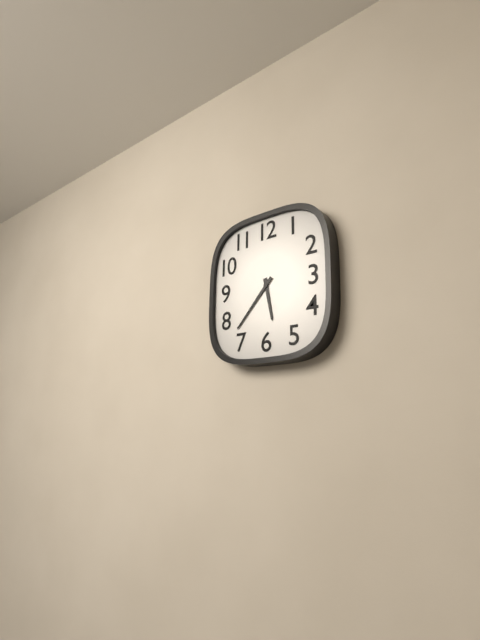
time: 5:37
